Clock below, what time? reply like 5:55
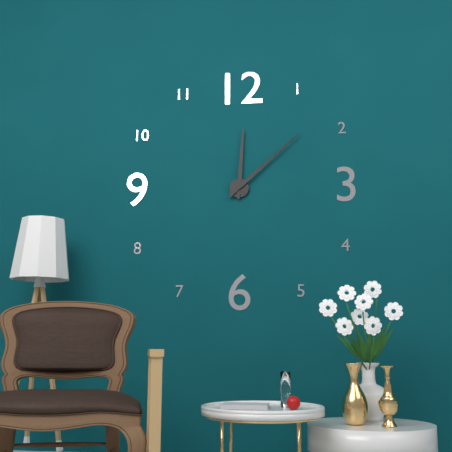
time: 12:08
